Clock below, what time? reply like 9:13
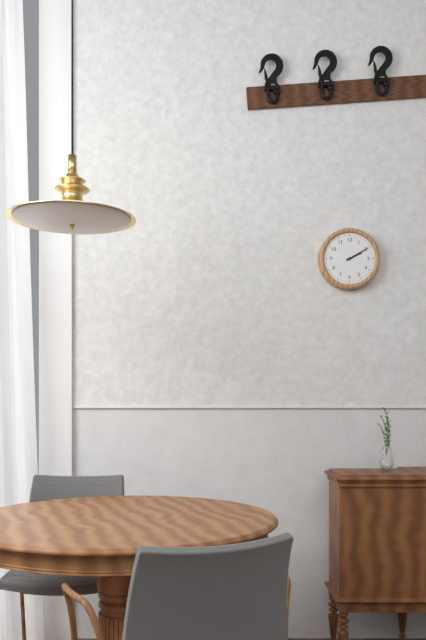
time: 2:10
